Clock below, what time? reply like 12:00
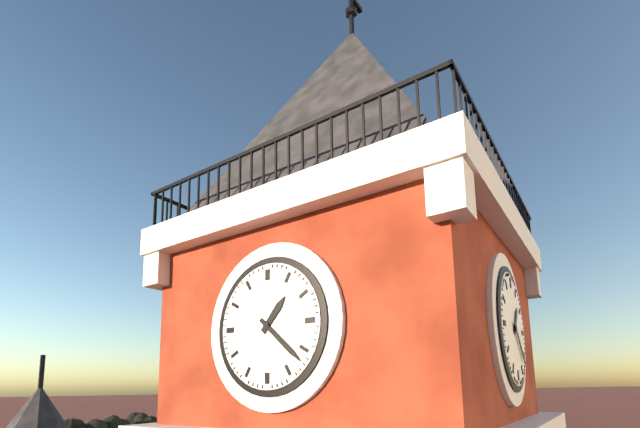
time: 1:22
